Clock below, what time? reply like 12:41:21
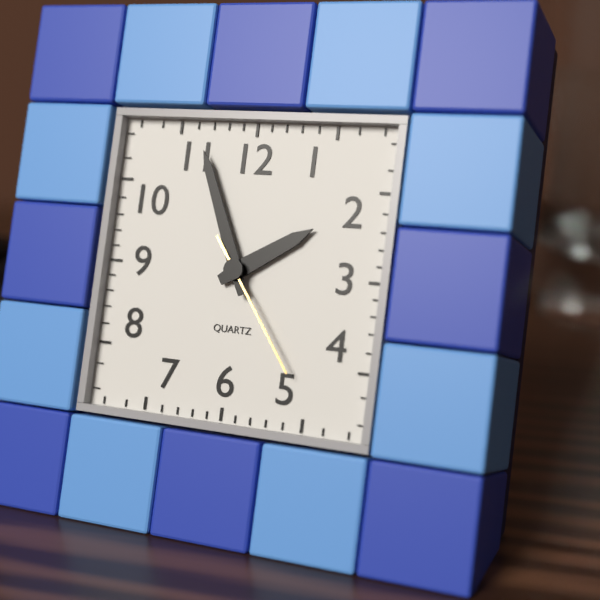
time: 1:56:24
